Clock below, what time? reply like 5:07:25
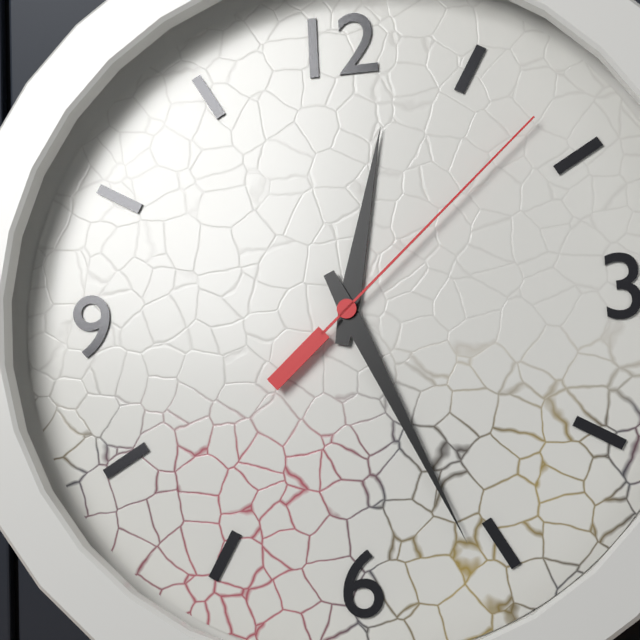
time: 12:26:08
